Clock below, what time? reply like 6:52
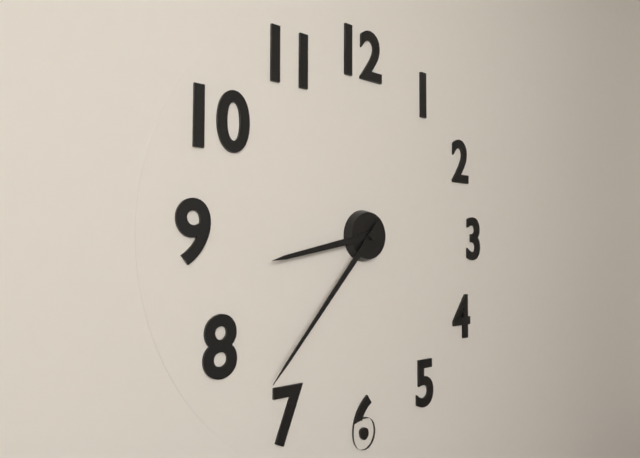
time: 8:37
